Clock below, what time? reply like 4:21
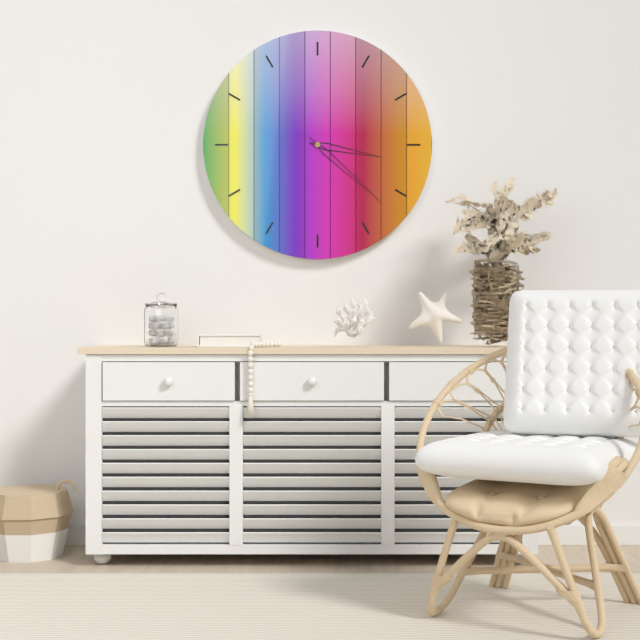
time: 3:22
